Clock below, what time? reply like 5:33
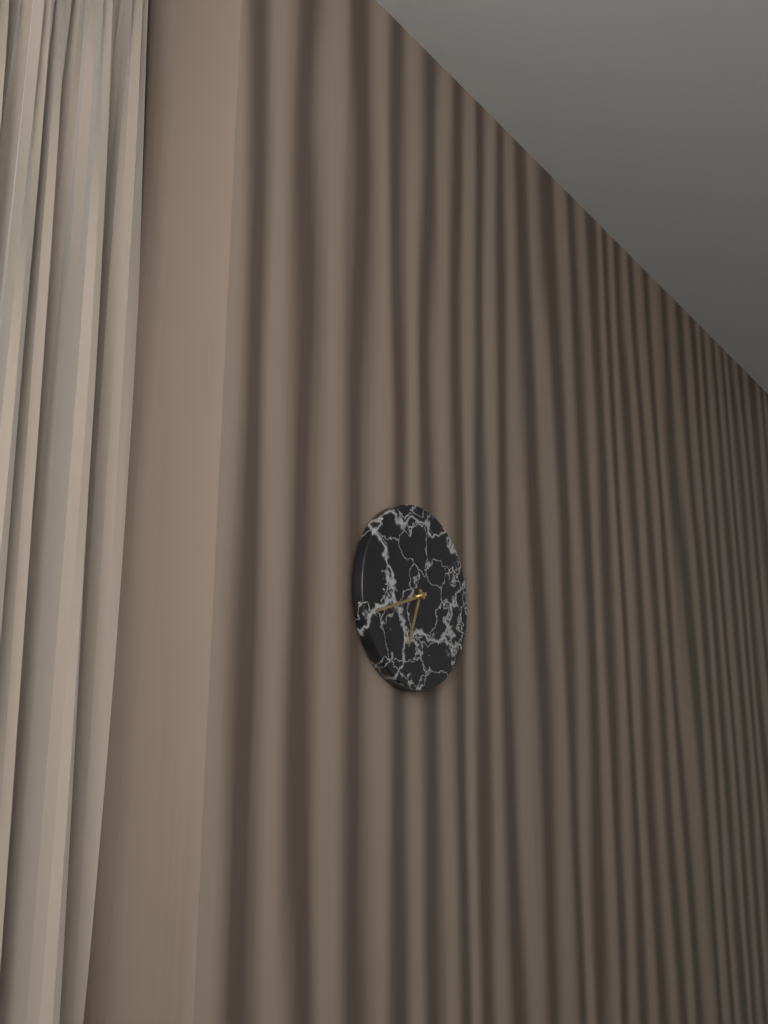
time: 6:42
